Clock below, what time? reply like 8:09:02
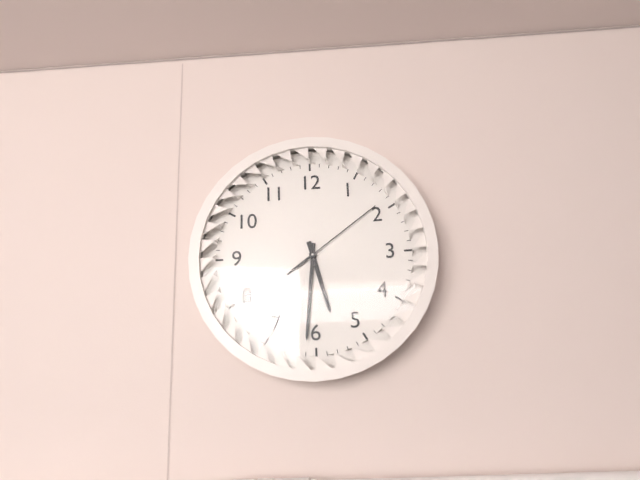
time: 5:31:09
